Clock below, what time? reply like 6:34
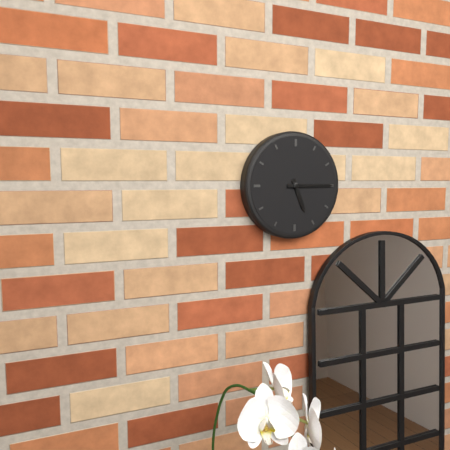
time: 5:15
